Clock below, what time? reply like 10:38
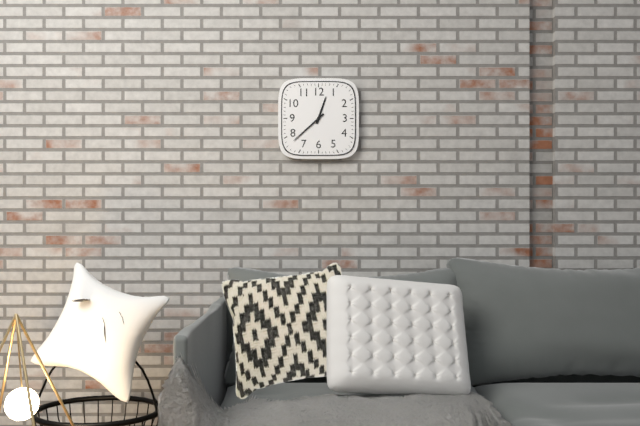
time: 12:38
